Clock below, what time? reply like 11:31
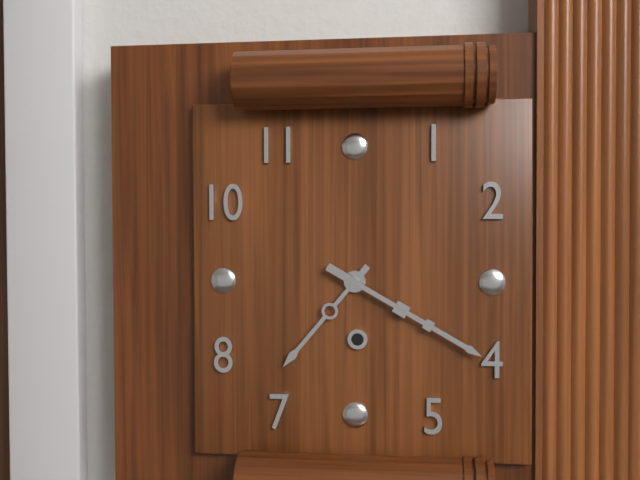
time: 7:20
